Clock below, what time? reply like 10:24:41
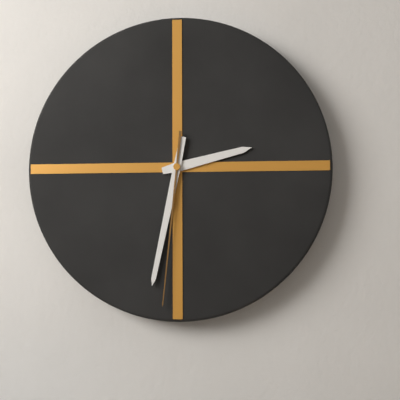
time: 2:32:31
